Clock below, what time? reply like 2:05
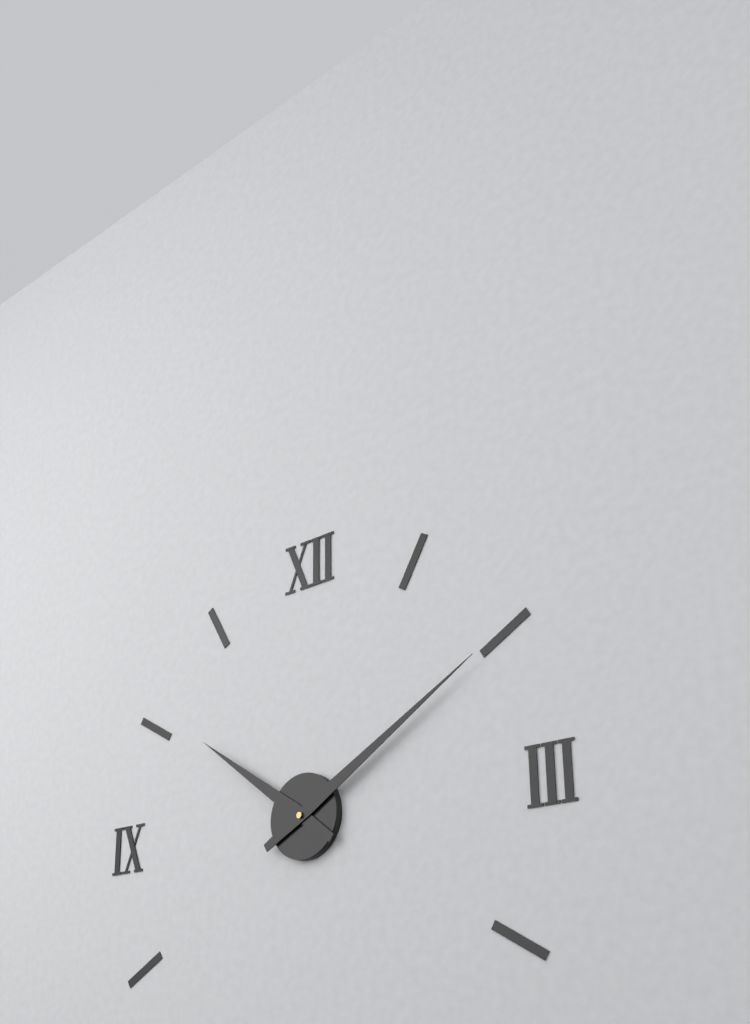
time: 10:10
